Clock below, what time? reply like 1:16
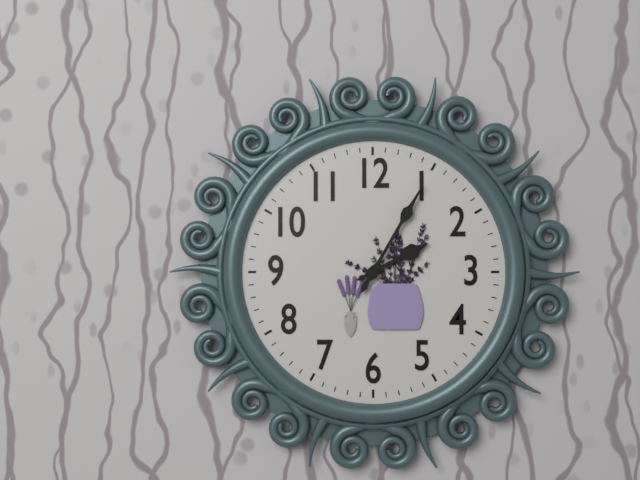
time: 2:05
